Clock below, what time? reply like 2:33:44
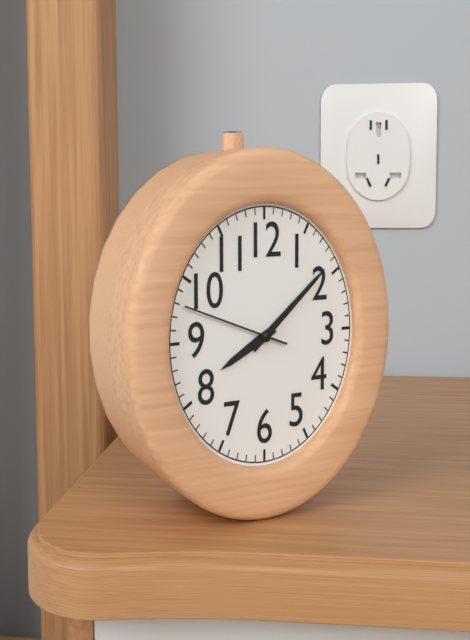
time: 8:09:48
